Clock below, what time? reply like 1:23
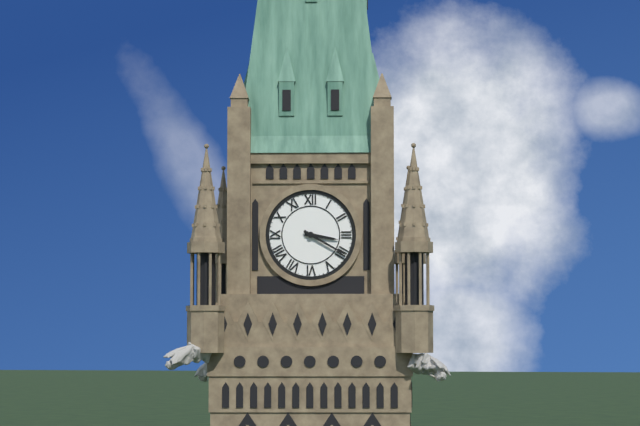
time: 3:20
